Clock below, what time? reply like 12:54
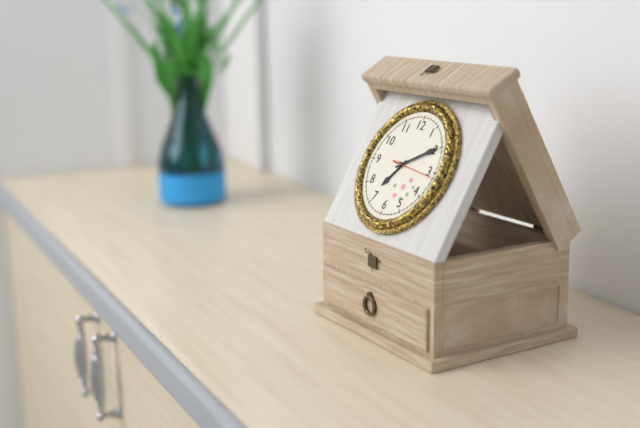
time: 7:10
